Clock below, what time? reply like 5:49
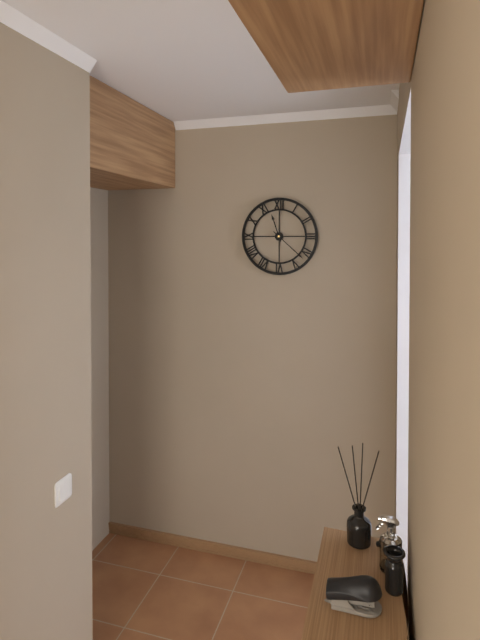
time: 11:22
